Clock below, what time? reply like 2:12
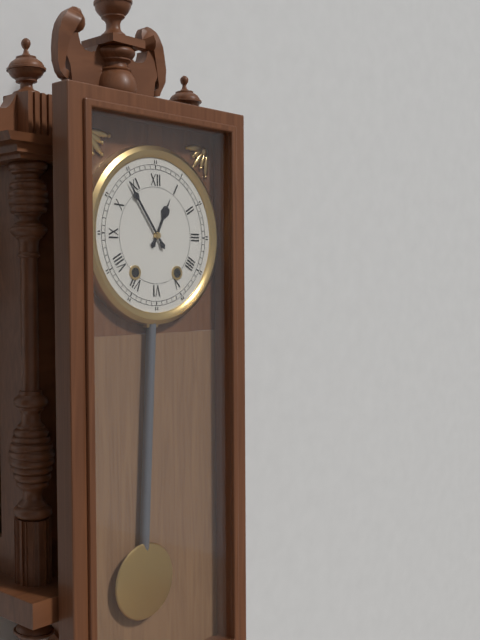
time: 12:54
